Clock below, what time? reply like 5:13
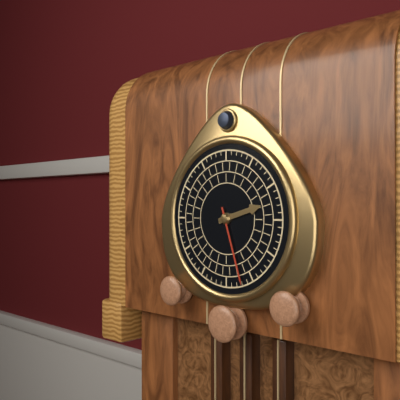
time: 2:27
